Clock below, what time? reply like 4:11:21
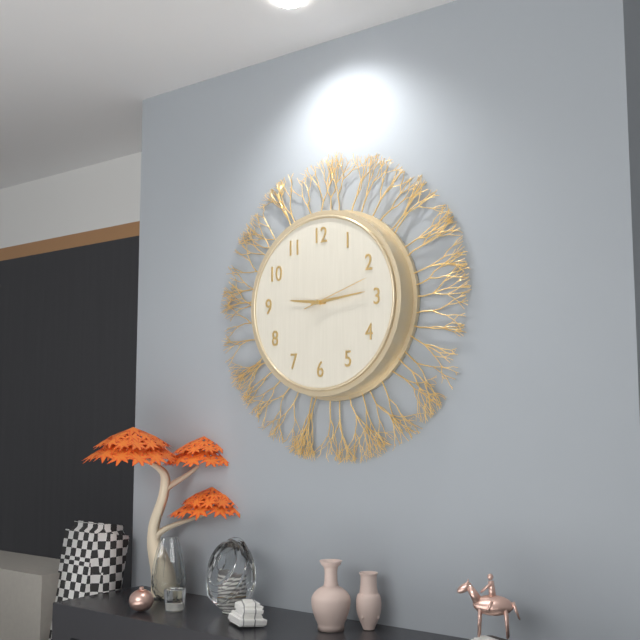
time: 9:14:12
